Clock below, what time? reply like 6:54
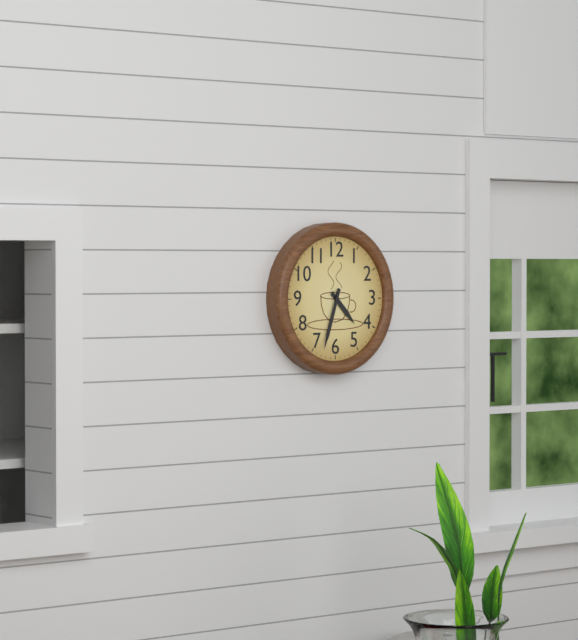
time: 4:33
